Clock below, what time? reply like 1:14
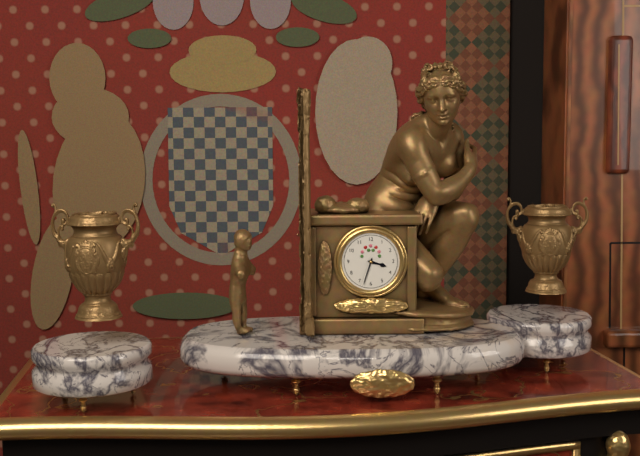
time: 3:33
